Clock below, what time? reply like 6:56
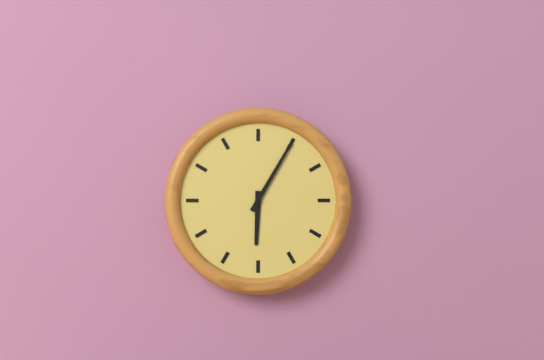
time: 6:05
